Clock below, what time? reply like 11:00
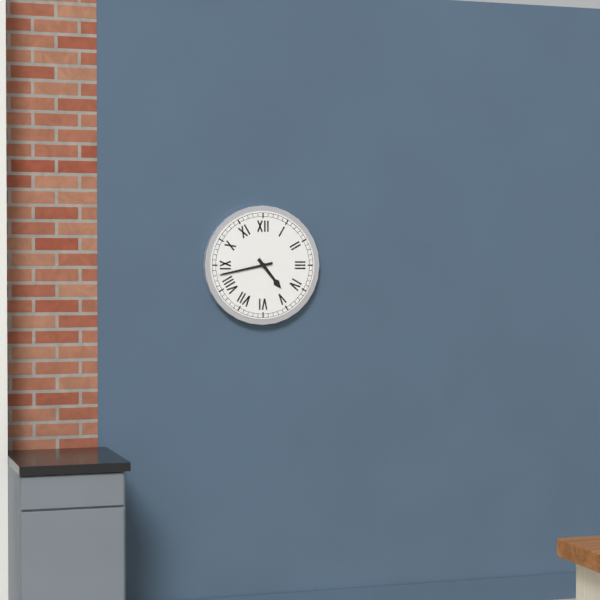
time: 4:43
